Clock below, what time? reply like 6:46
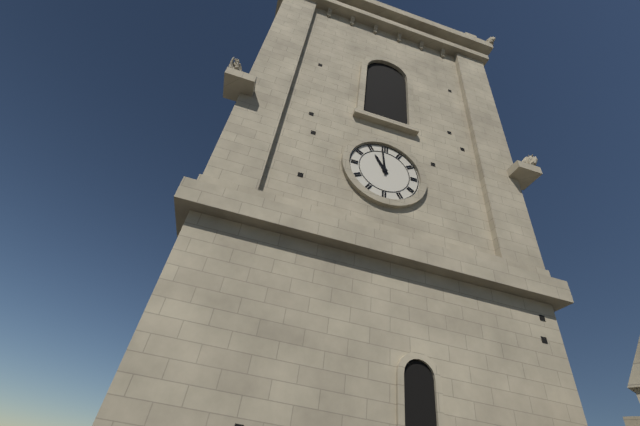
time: 10:59
